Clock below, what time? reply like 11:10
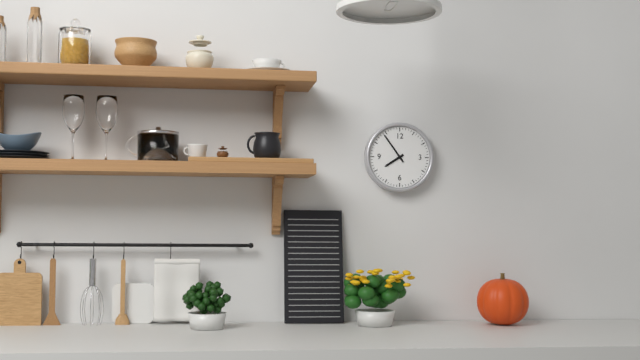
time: 7:54
